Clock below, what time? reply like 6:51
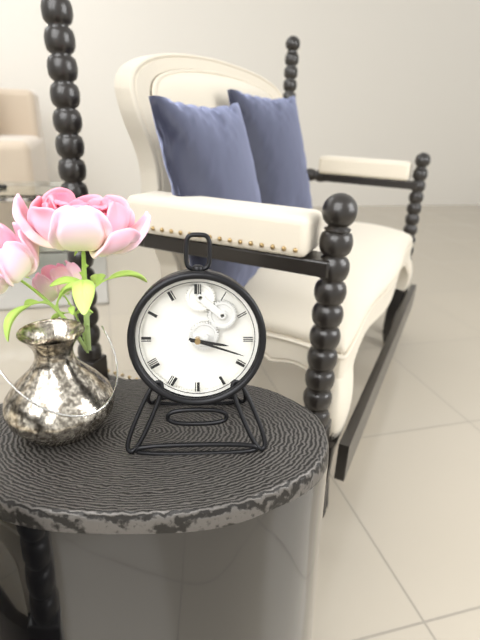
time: 3:18
